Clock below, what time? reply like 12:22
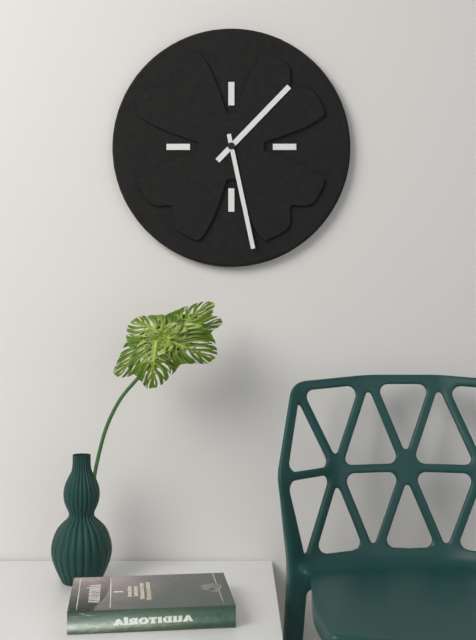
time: 1:28
